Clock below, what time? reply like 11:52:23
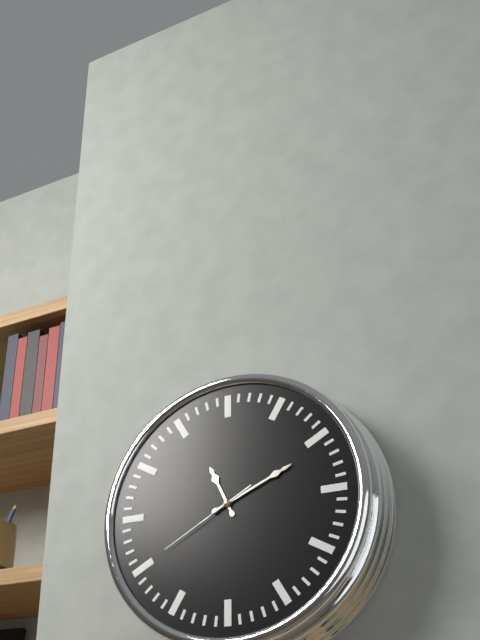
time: 11:11:40
